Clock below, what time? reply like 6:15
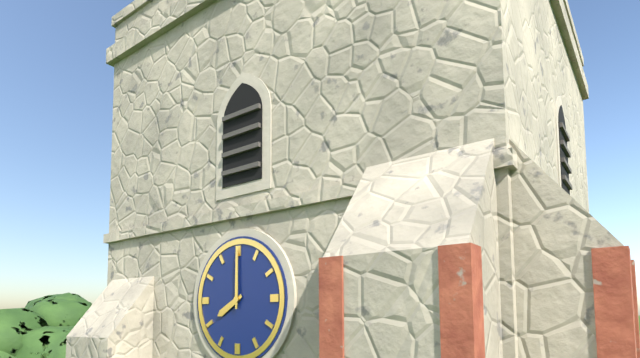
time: 8:00
